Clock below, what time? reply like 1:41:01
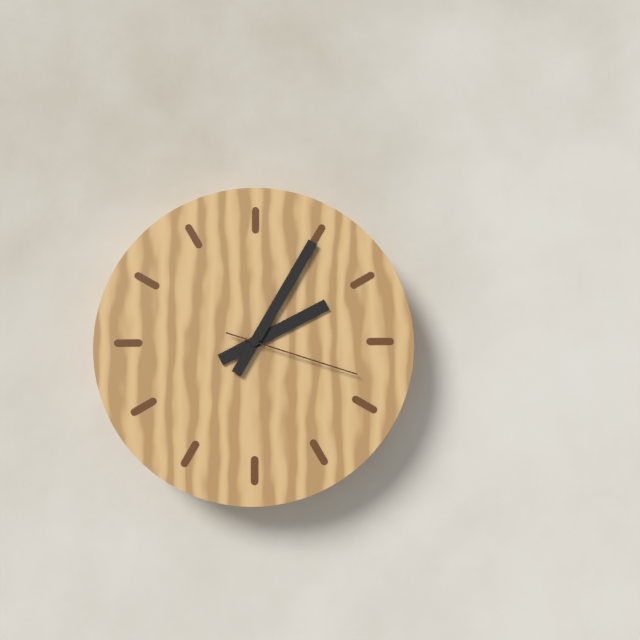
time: 2:05:18
